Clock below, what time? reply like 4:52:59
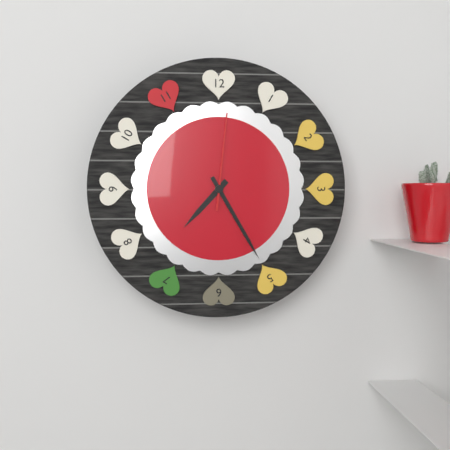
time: 7:25:01
